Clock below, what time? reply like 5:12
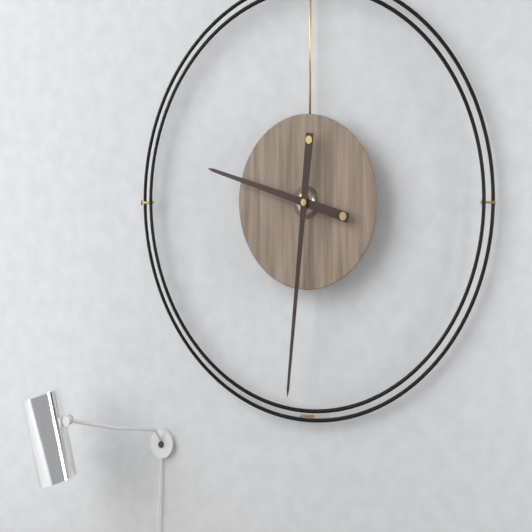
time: 9:31
